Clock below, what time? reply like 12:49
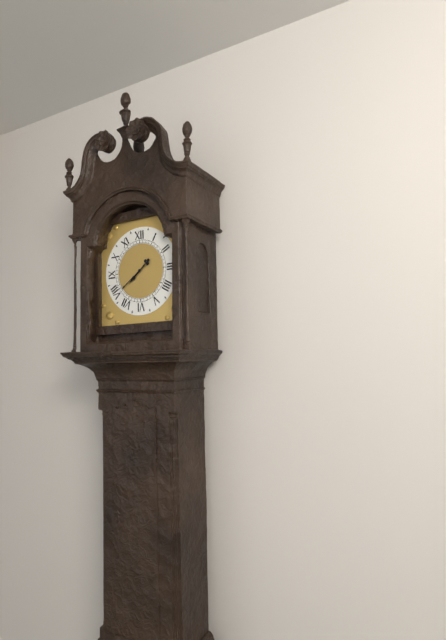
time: 7:39
